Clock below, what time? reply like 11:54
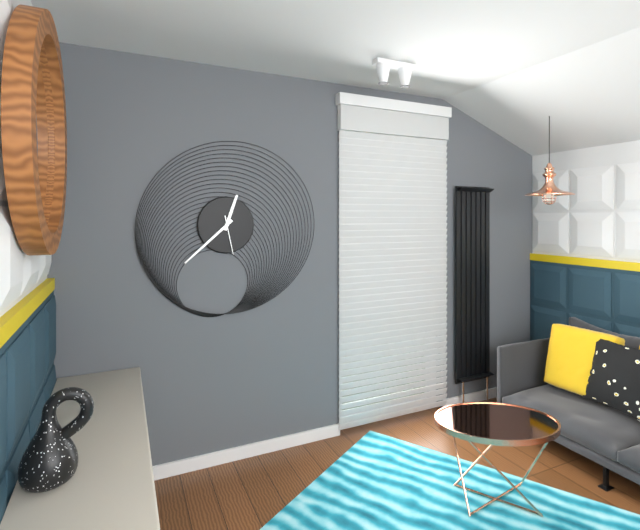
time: 12:38
